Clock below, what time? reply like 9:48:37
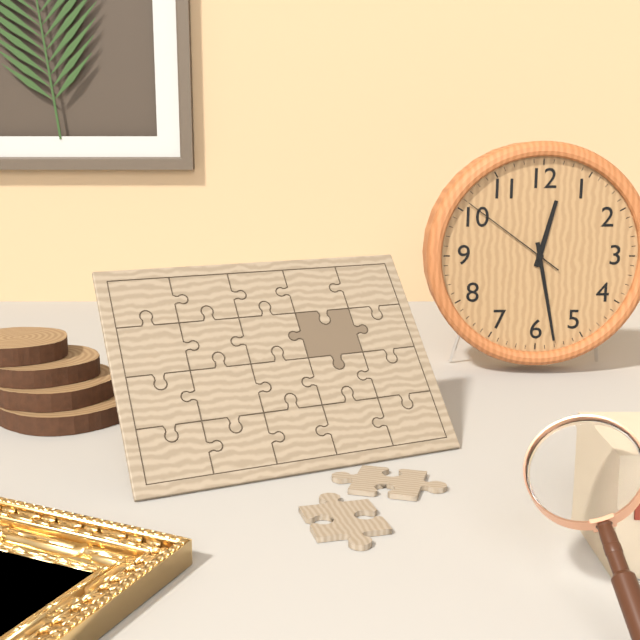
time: 12:28:51
